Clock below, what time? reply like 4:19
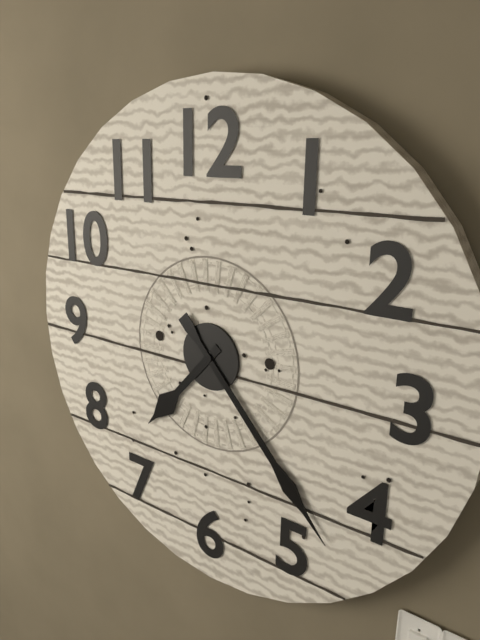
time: 7:23
